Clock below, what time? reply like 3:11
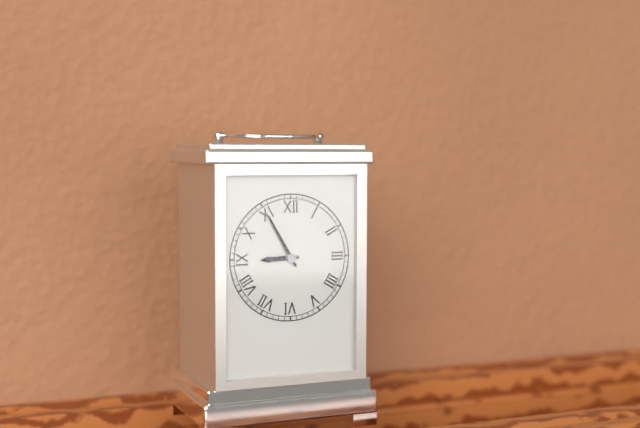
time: 8:55
